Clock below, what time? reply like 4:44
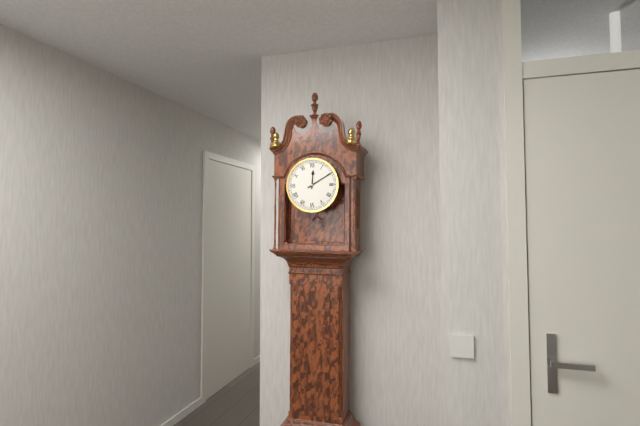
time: 12:10
